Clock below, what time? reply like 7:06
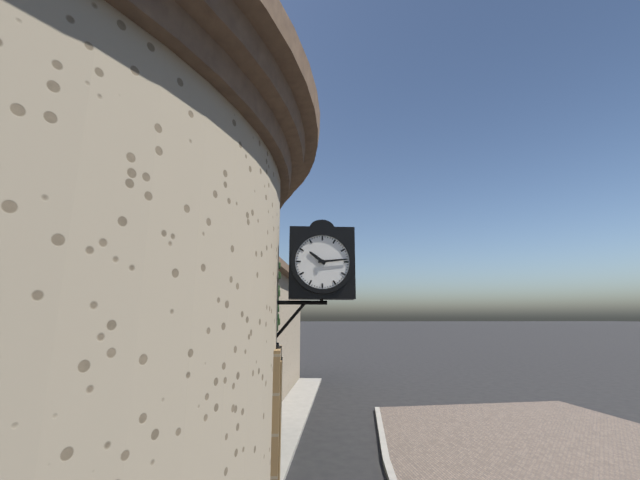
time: 10:14
